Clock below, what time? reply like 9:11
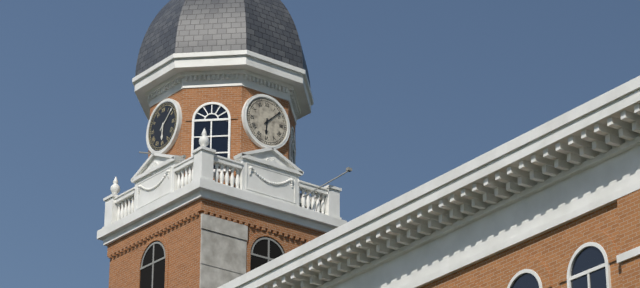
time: 6:08
